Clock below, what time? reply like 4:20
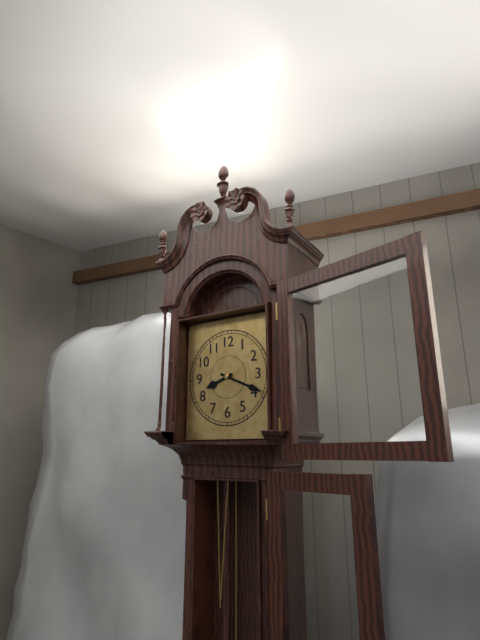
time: 8:19
